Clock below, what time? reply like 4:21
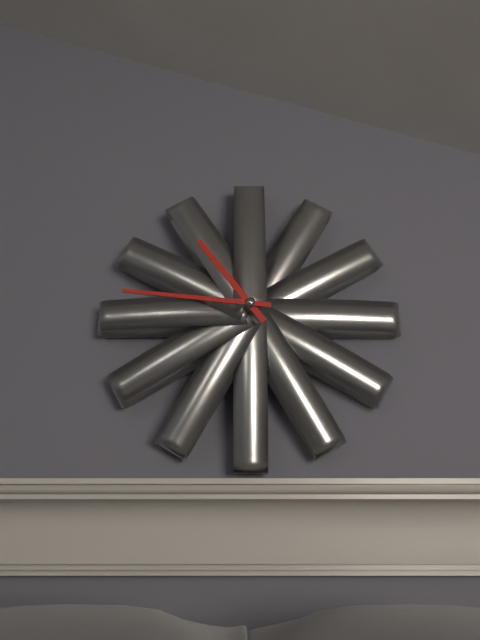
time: 10:46
